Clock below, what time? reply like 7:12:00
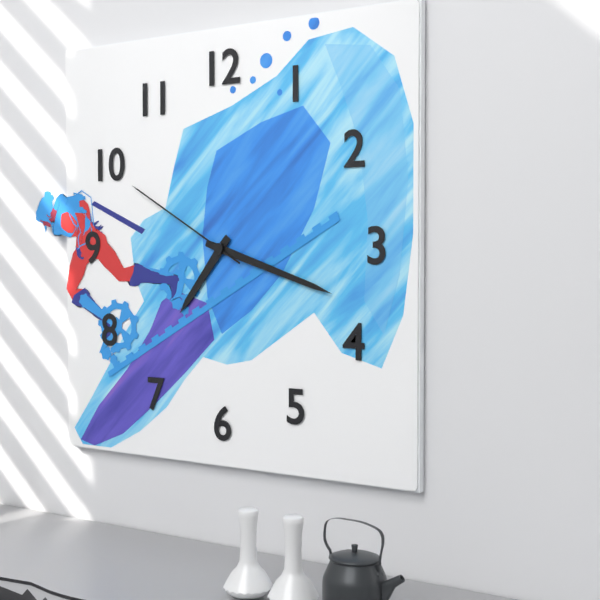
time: 7:18:50
